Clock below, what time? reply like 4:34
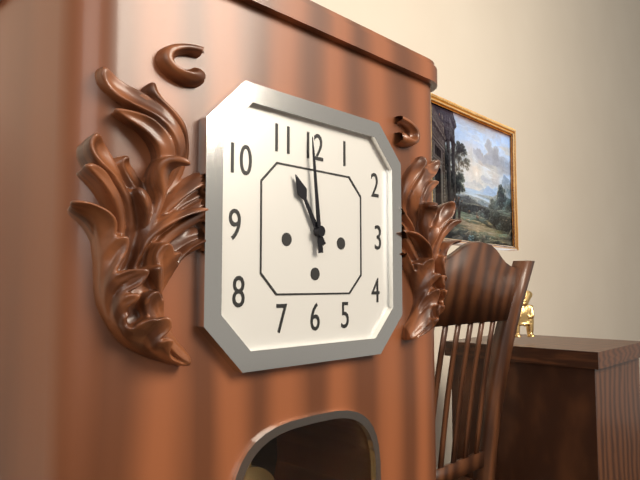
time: 10:59
